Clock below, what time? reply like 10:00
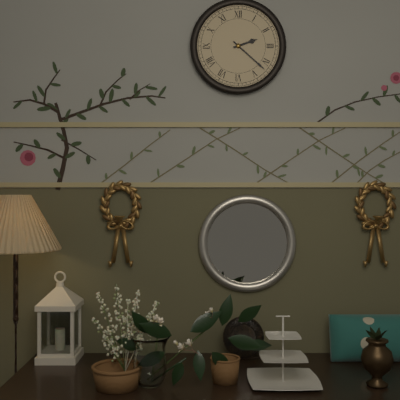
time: 2:22
